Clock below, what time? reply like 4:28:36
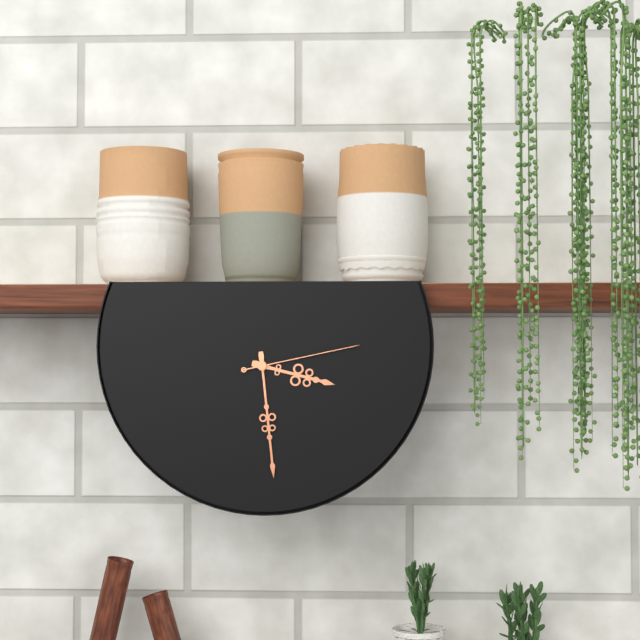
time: 3:29:13
